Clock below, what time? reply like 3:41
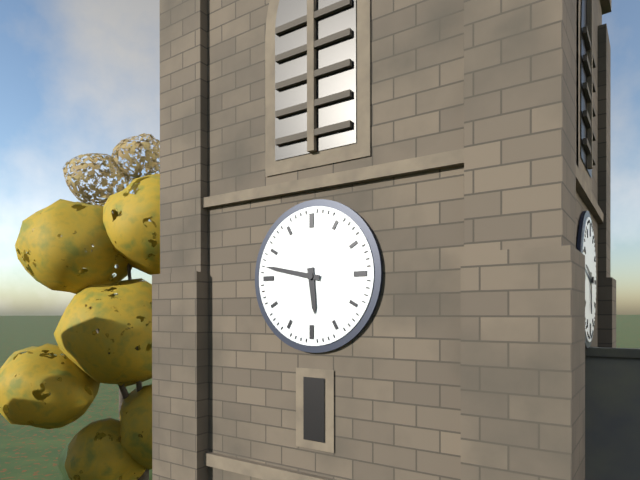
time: 5:47
